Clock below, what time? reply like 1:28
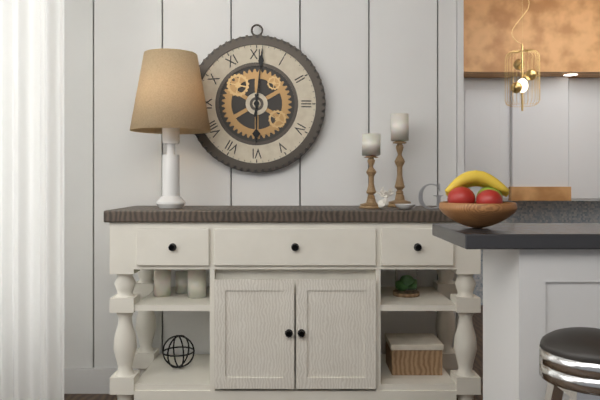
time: 6:01
